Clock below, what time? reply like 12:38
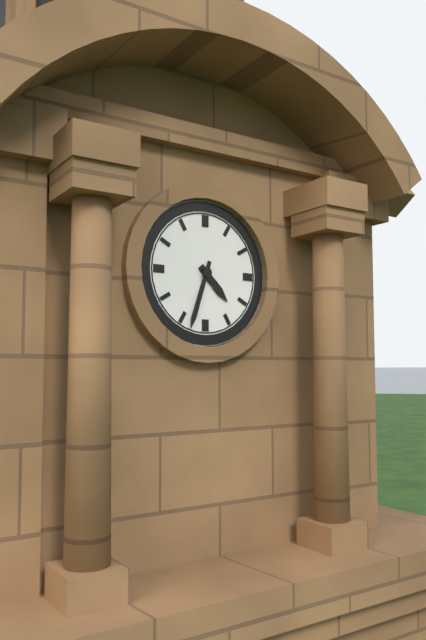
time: 4:33
